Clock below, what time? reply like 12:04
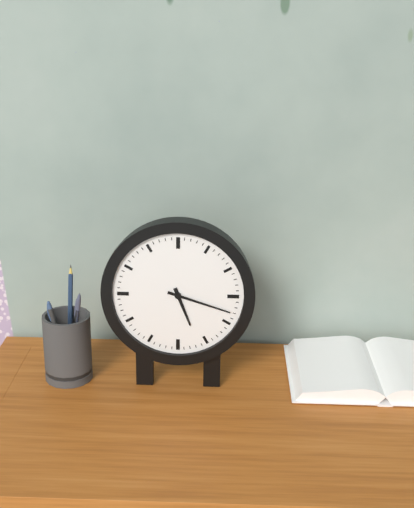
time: 5:18
